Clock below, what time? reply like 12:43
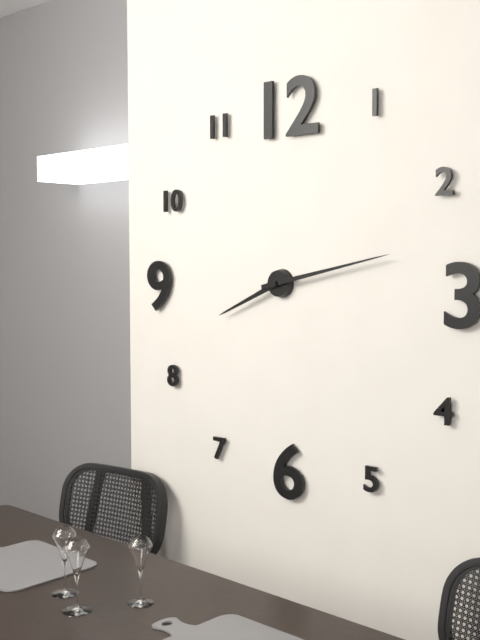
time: 8:13
